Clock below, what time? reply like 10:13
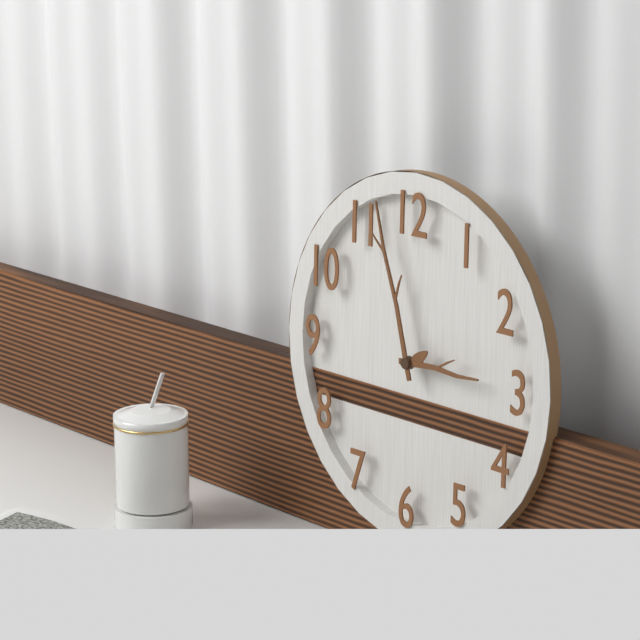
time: 2:57
